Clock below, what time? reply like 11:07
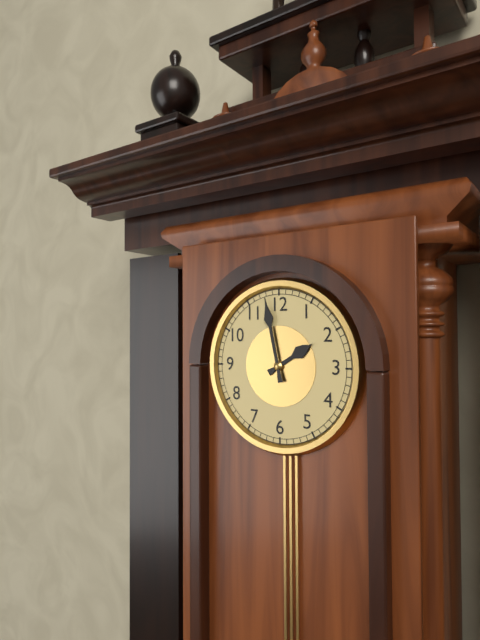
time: 1:58
